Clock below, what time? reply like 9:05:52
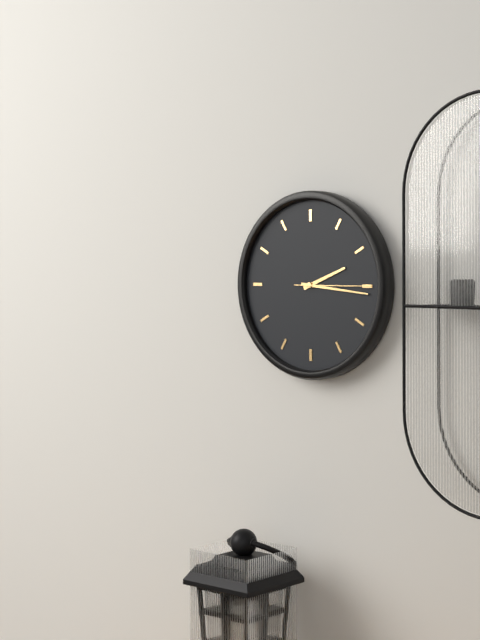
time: 2:16:15
